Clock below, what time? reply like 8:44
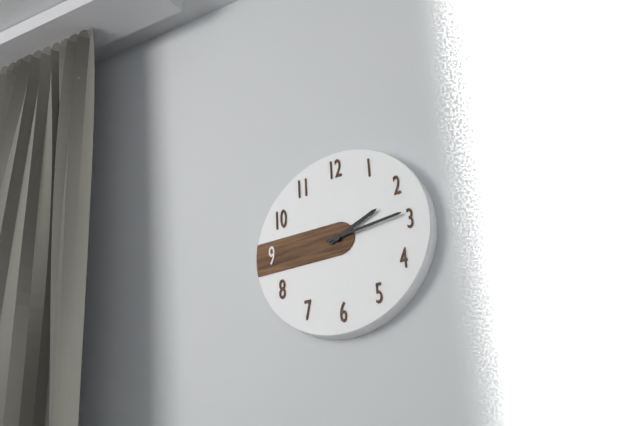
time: 2:14
